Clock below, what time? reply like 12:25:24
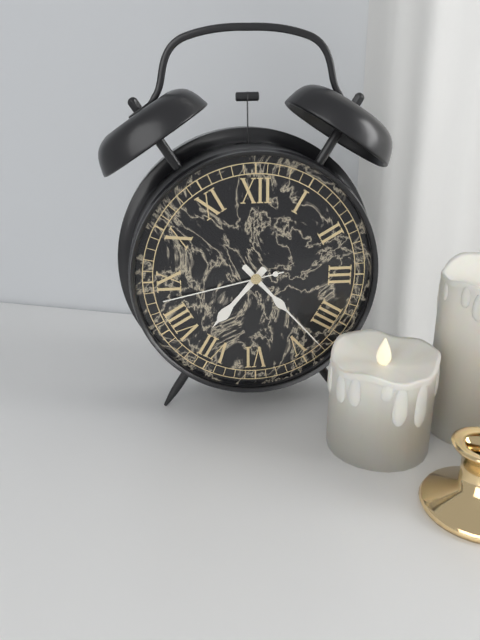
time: 7:23:43
